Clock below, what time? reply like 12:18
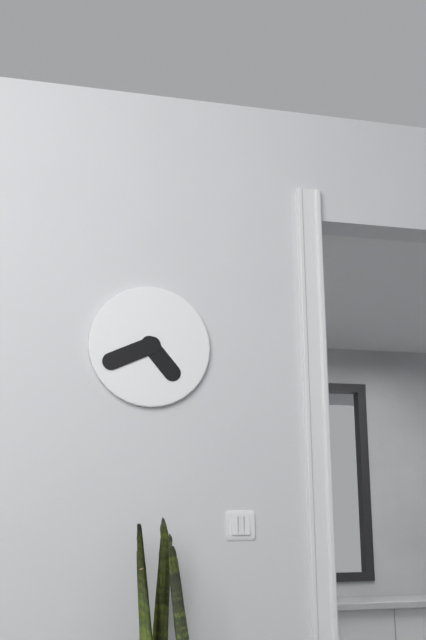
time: 4:41
